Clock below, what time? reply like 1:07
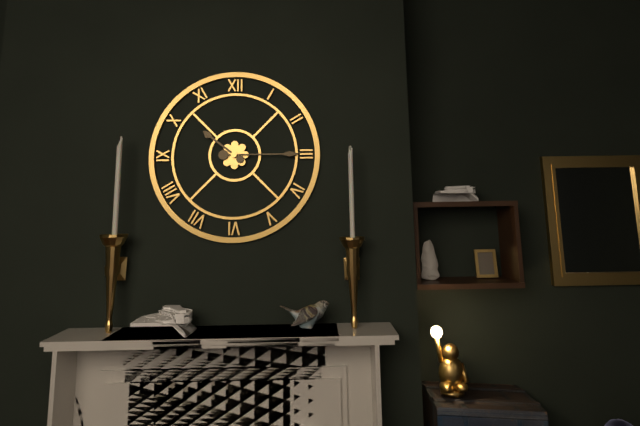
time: 10:15
